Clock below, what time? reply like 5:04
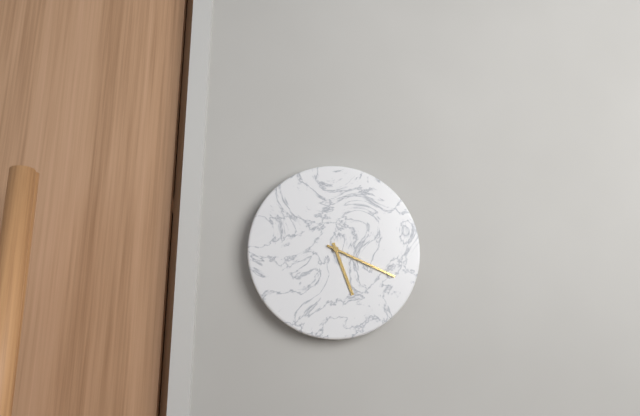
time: 5:19
